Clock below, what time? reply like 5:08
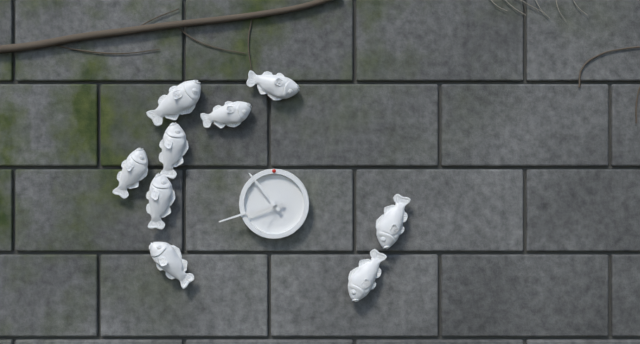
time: 10:42
